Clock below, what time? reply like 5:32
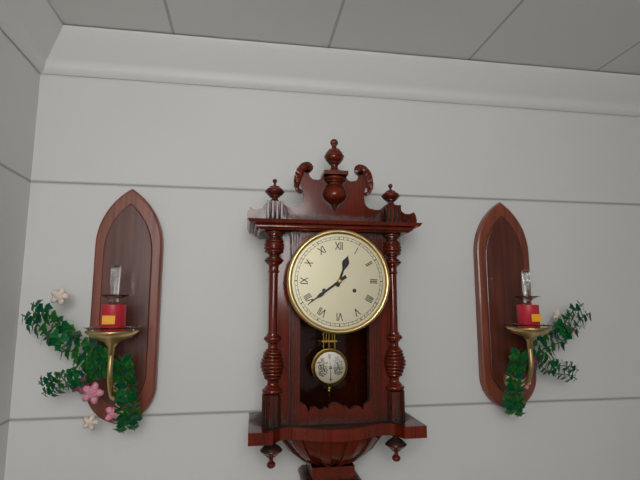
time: 12:39
